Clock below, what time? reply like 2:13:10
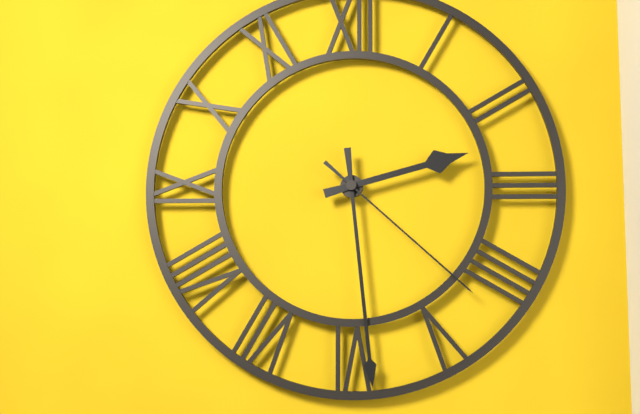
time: 2:29:22
